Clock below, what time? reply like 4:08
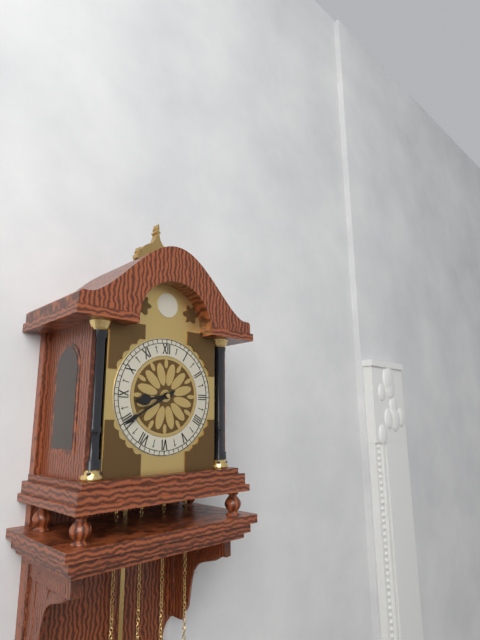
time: 8:40
